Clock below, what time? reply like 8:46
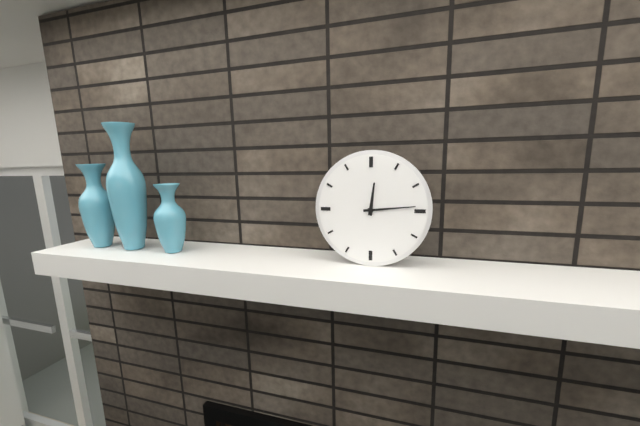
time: 12:14
